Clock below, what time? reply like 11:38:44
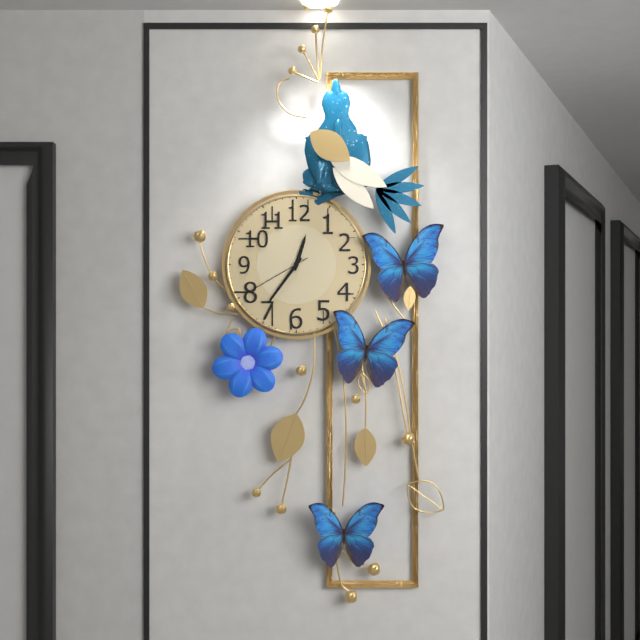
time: 12:36:40
